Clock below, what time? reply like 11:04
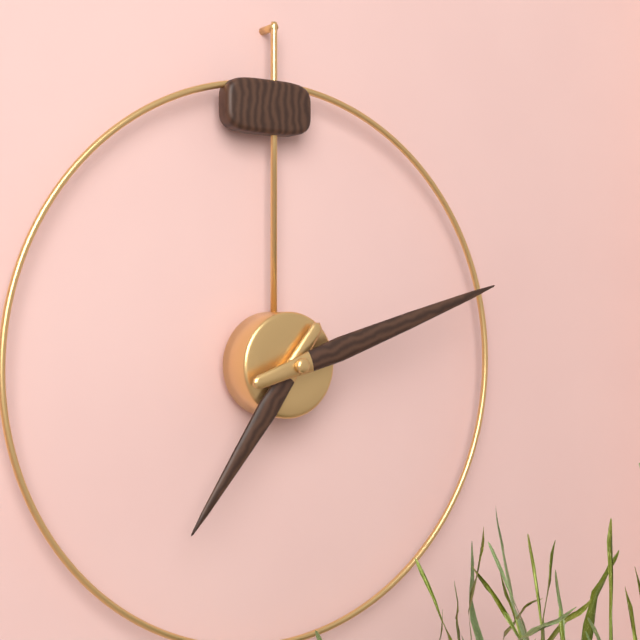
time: 7:12
